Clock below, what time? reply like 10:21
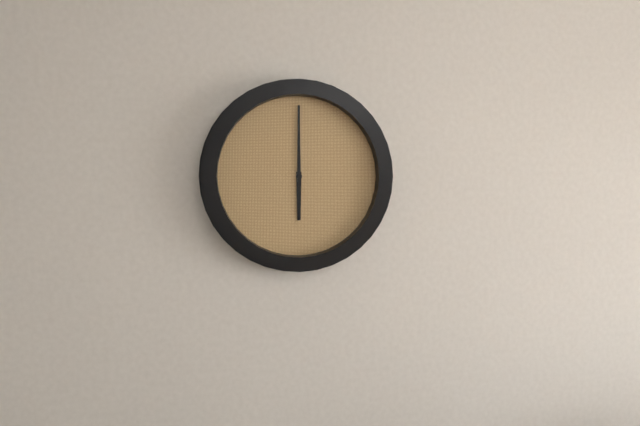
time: 6:00
